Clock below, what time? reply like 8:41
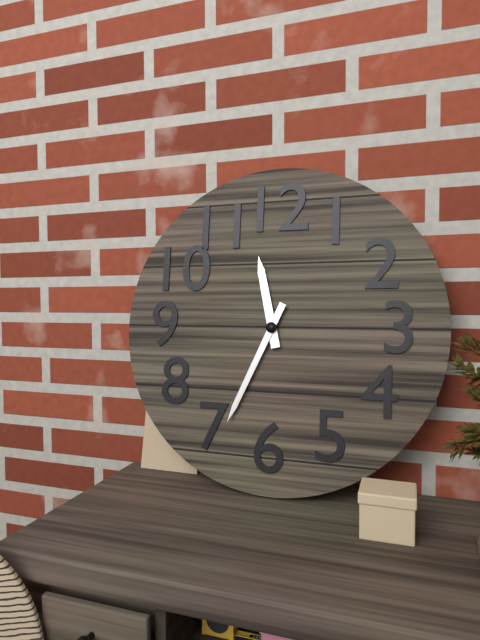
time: 11:34
